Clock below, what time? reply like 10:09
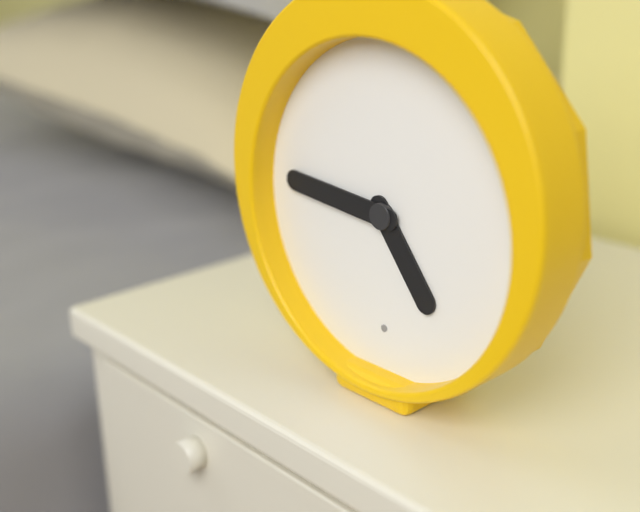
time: 4:46
